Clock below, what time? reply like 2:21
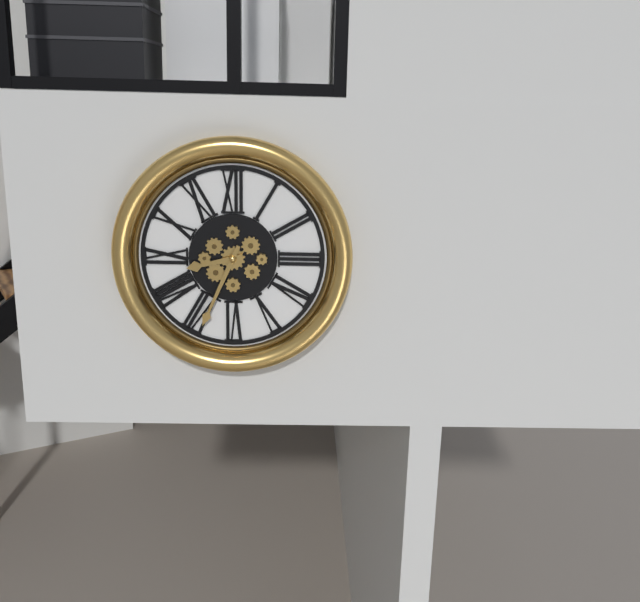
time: 8:34
